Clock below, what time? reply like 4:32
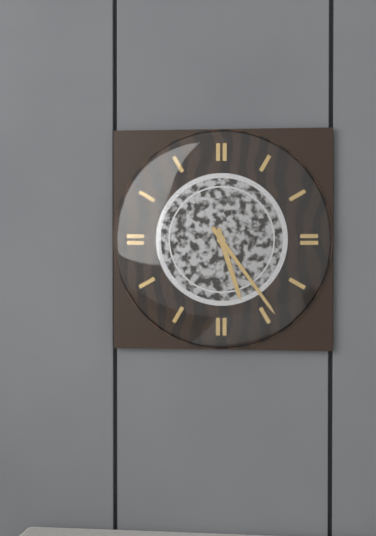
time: 5:24
